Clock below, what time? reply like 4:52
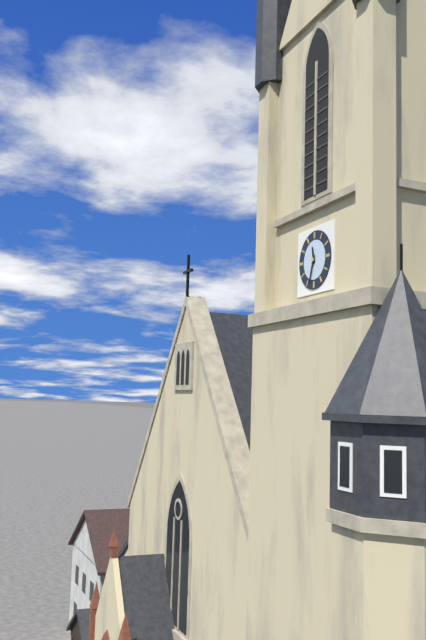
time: 11:33
